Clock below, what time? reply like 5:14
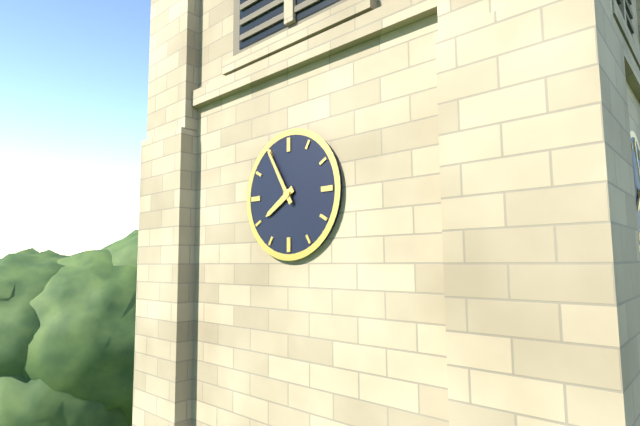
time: 7:55
